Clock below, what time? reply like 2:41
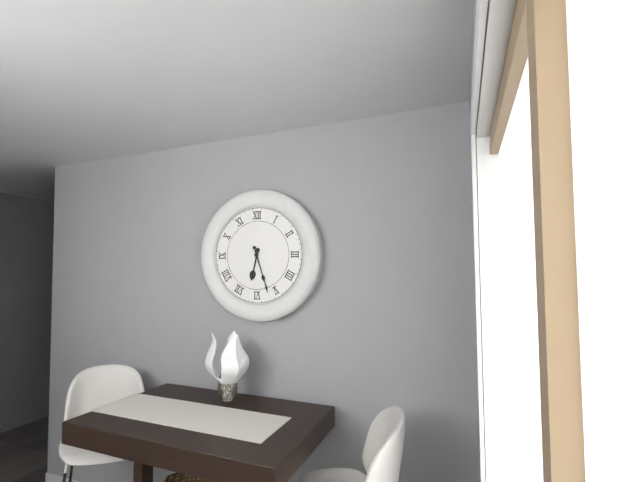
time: 6:27
